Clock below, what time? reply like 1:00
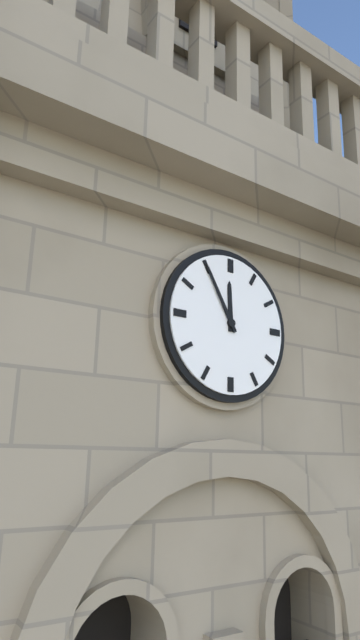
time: 11:55
